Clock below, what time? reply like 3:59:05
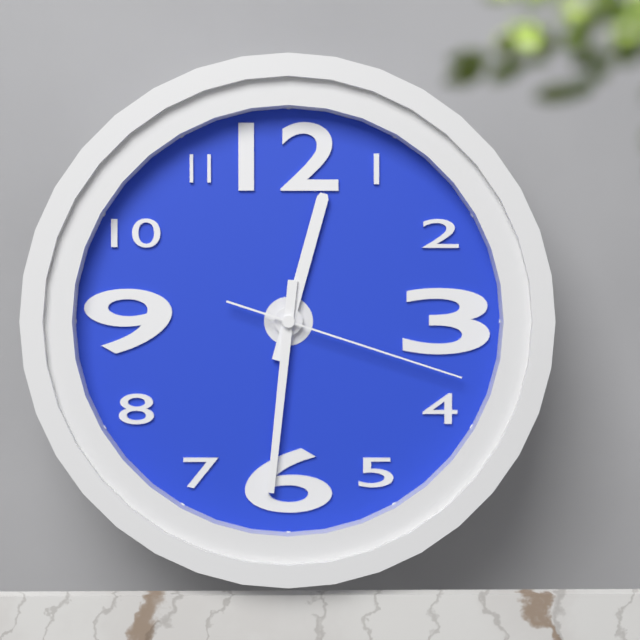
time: 12:31:18
